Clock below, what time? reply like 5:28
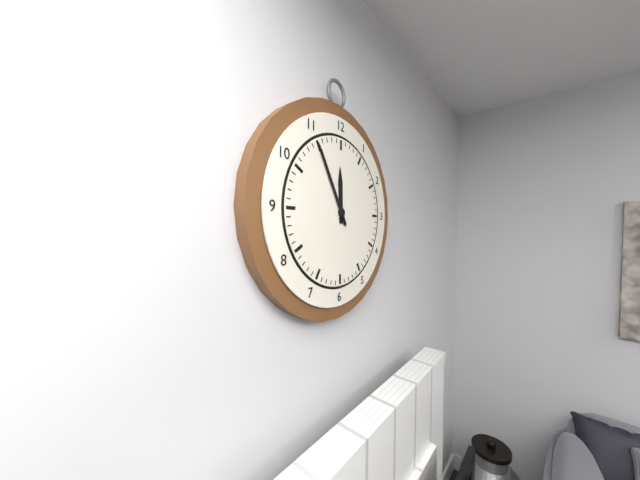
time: 11:55
